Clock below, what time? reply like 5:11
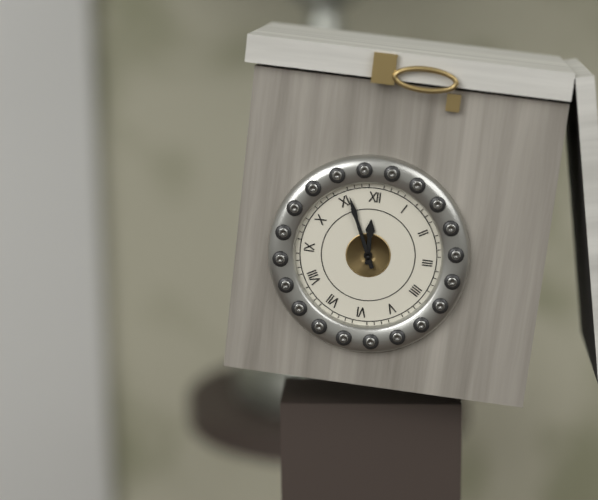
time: 11:56
